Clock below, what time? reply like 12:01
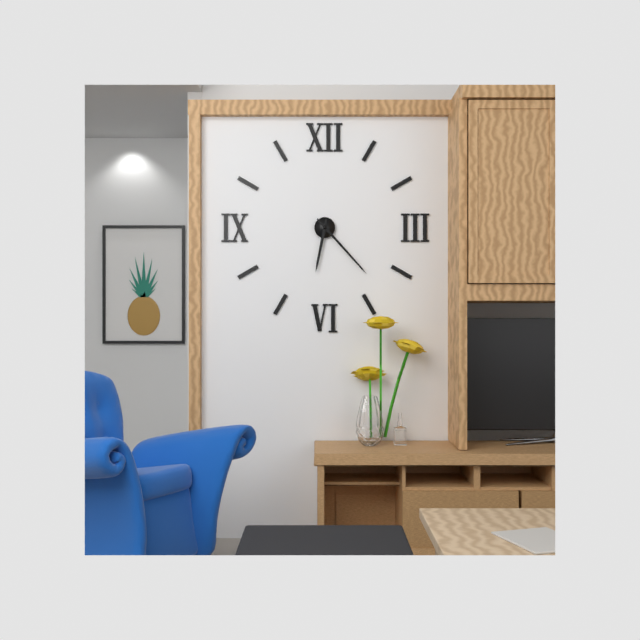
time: 6:23
